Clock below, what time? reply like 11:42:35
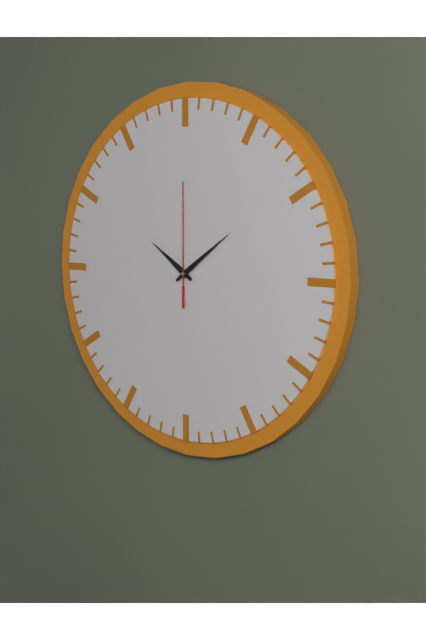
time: 10:09:00
